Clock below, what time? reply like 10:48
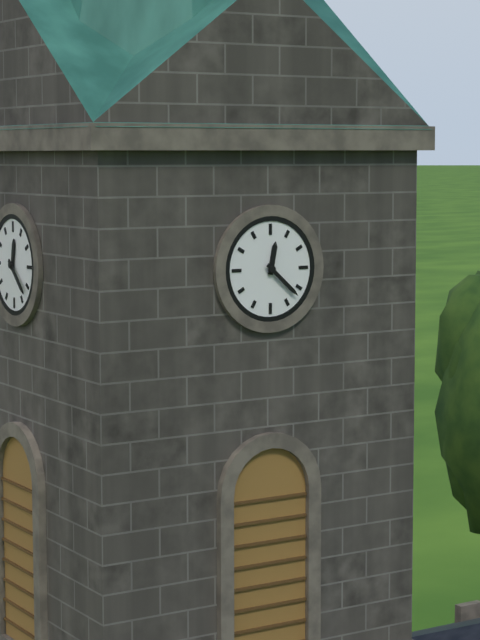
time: 12:22
